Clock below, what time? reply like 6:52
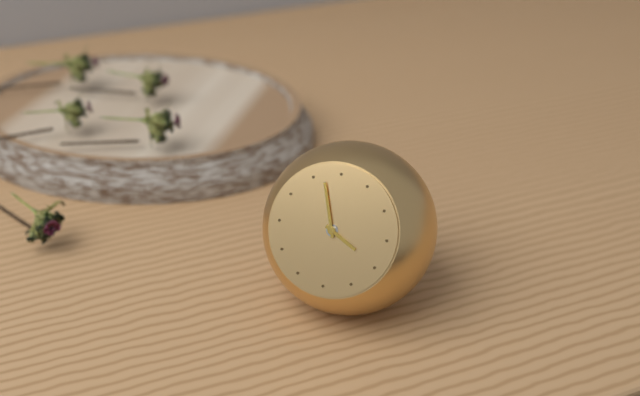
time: 3:57
